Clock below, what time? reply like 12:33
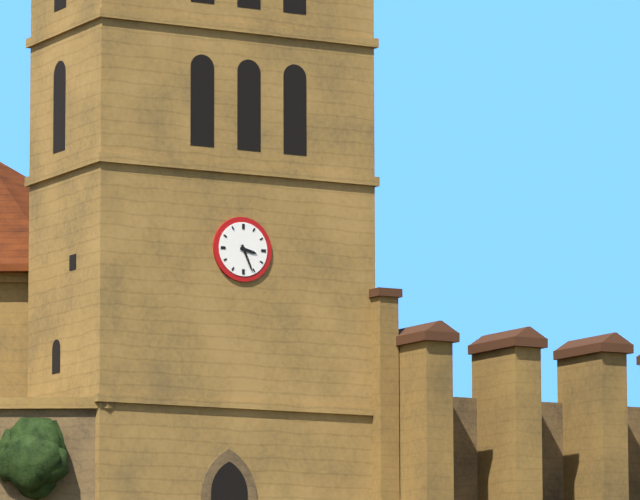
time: 3:26
